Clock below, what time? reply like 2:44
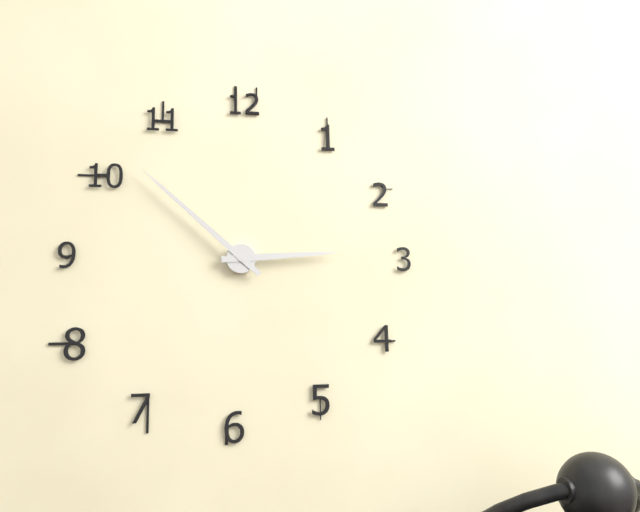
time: 2:52
